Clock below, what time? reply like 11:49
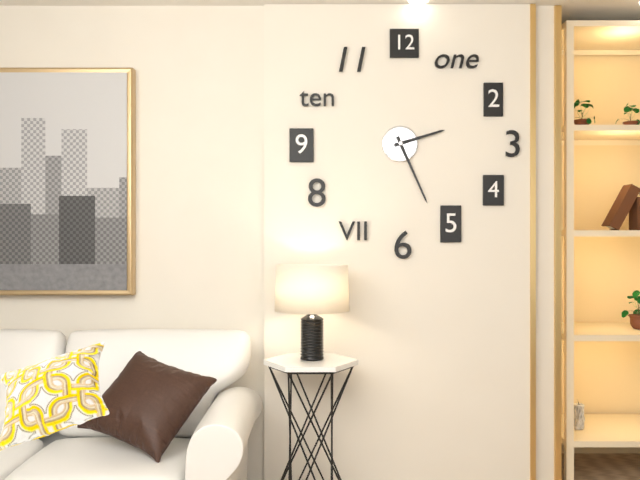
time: 2:26
